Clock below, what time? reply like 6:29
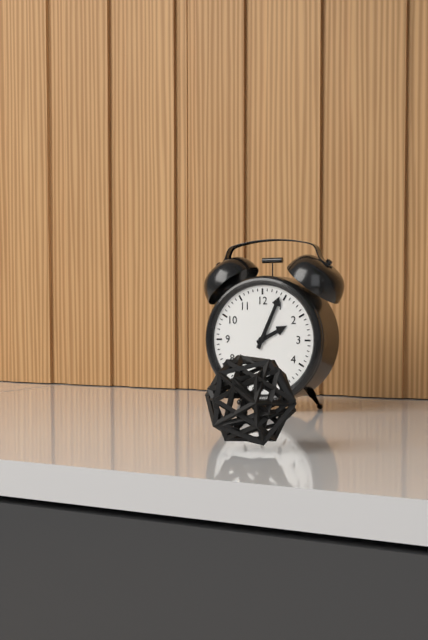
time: 2:04
